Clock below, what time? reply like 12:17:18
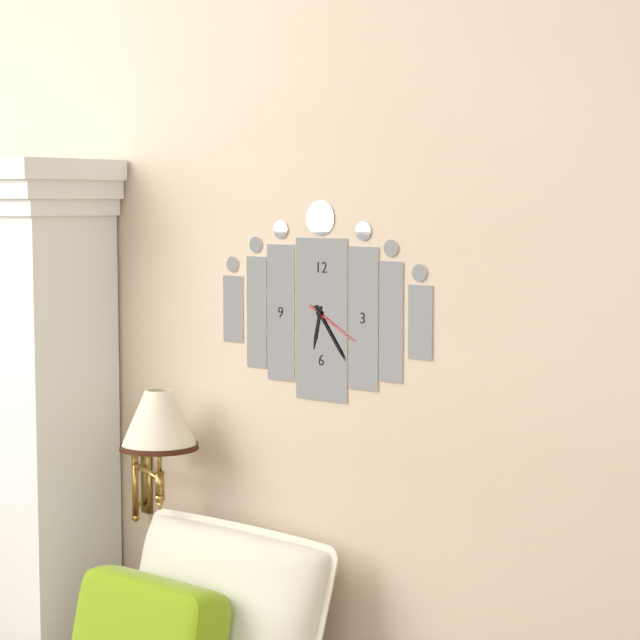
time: 6:24:20
